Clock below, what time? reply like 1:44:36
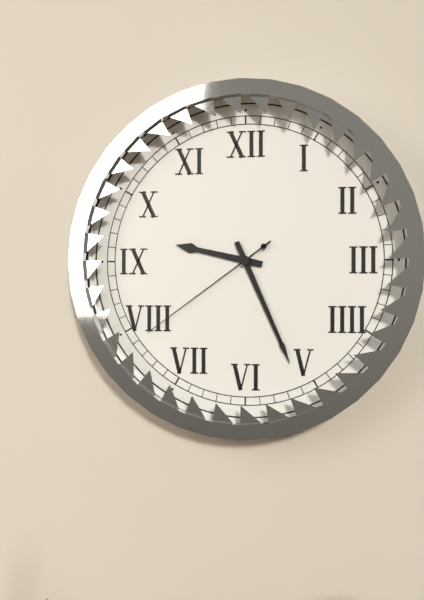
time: 9:26:39
